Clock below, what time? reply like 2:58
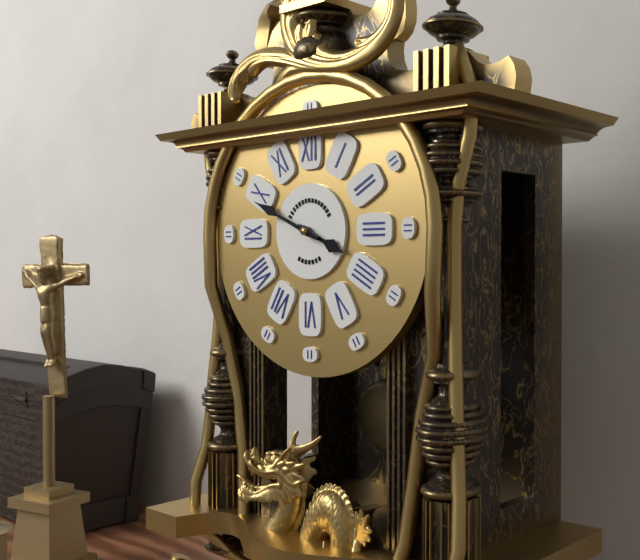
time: 3:49
